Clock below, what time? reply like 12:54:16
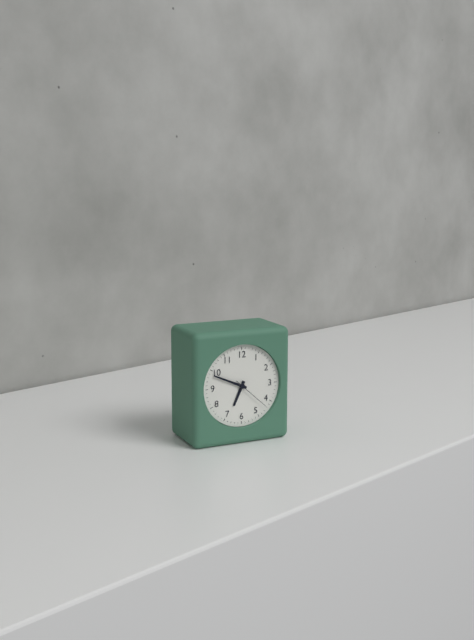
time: 6:49:22
